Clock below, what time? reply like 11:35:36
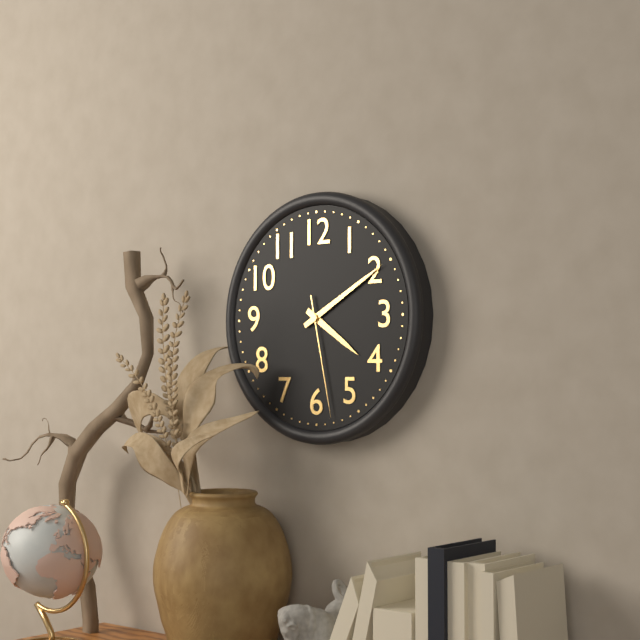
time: 4:10:28
